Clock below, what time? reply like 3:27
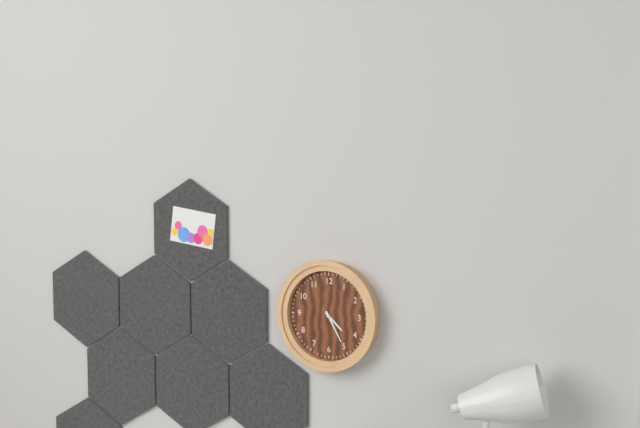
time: 4:25
